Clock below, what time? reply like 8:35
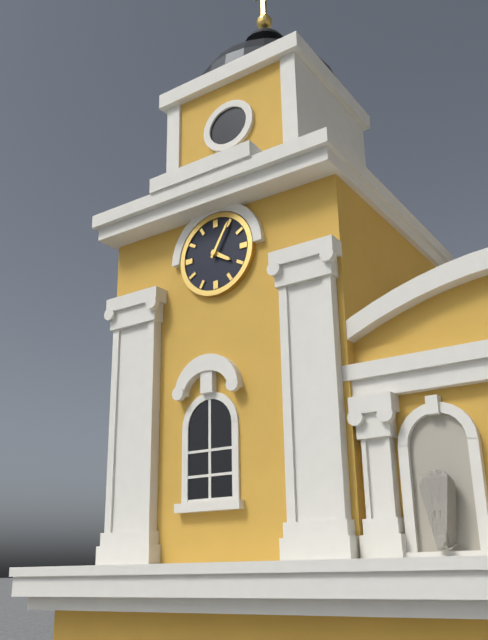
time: 4:05
